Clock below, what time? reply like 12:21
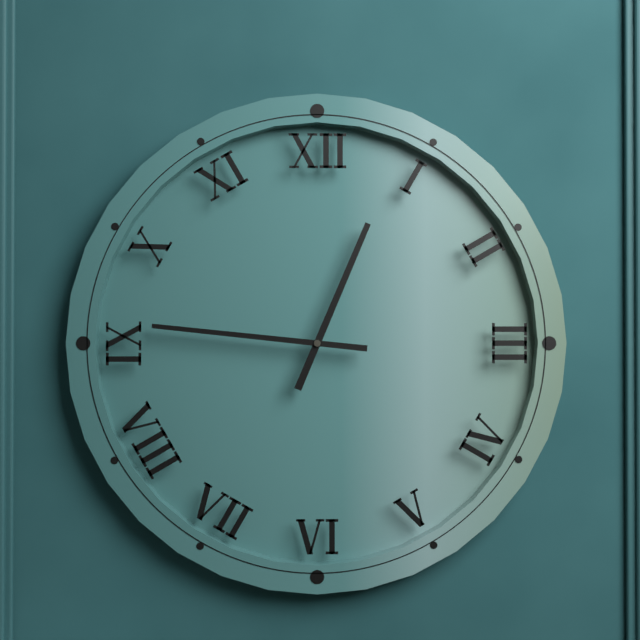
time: 12:46
